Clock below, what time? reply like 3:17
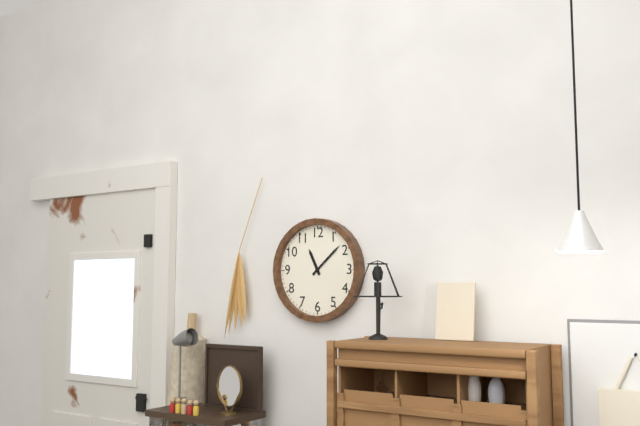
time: 11:08
